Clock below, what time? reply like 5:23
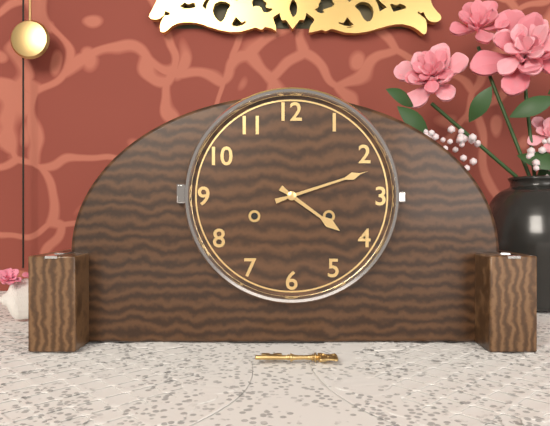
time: 4:12
